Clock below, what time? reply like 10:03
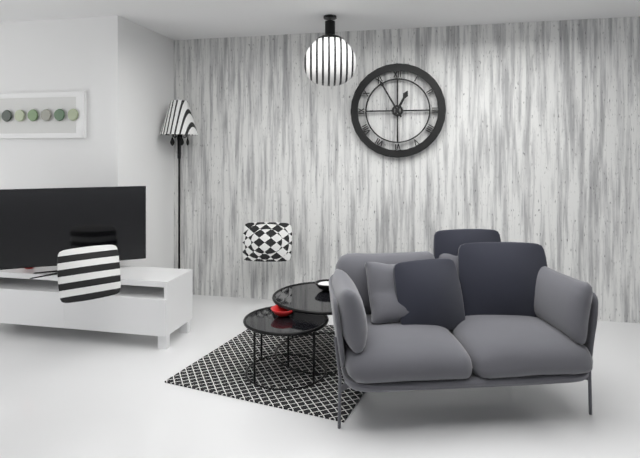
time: 12:55
